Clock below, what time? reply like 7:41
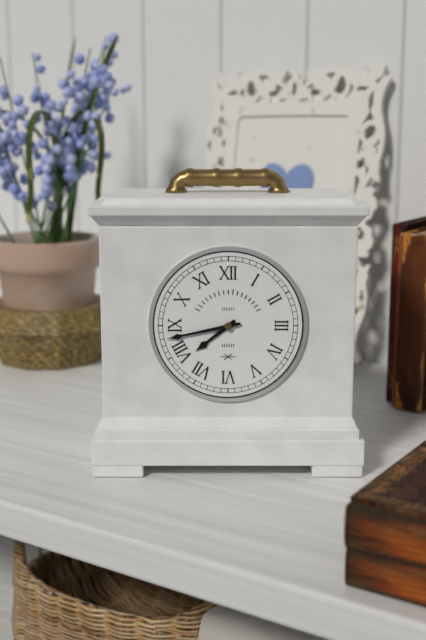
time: 7:43
